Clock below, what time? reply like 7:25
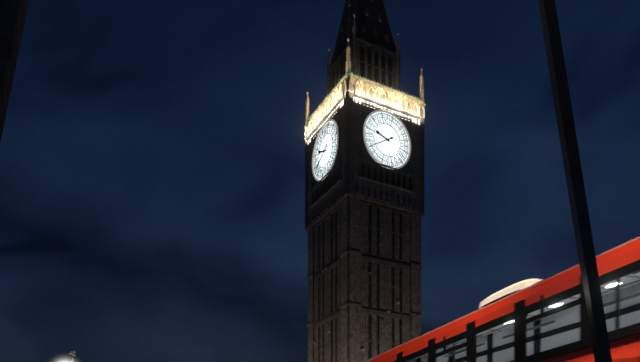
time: 9:40
